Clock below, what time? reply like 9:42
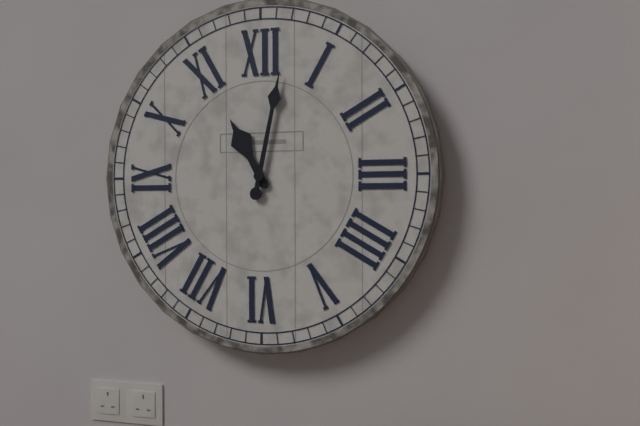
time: 11:02
